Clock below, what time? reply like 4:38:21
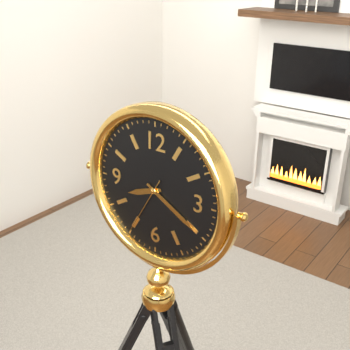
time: 8:20:35
